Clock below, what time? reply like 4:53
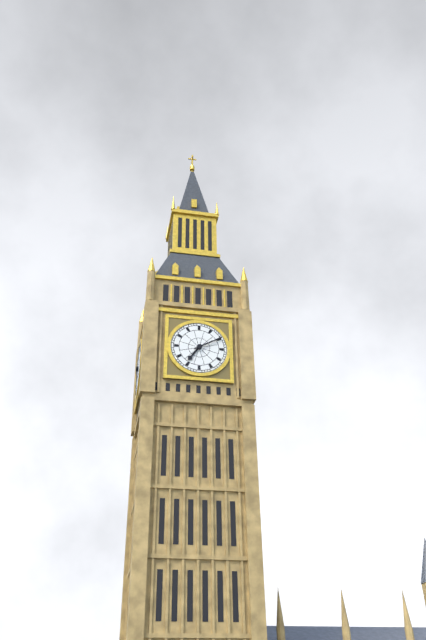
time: 7:10
